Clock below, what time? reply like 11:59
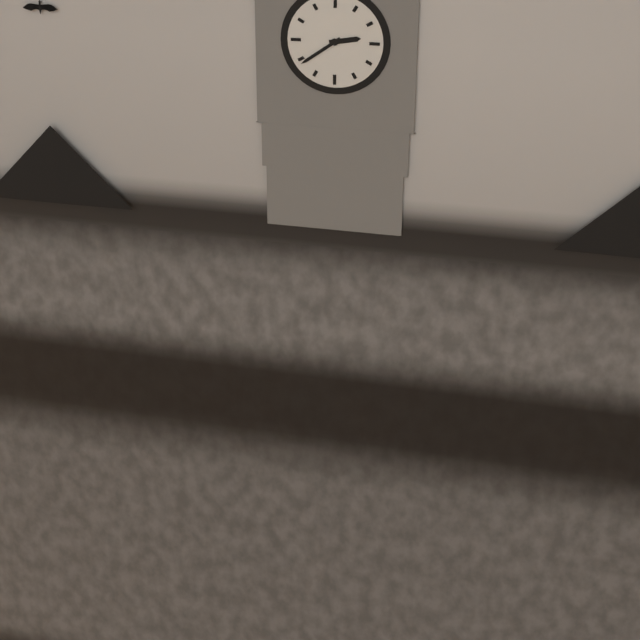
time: 2:39
